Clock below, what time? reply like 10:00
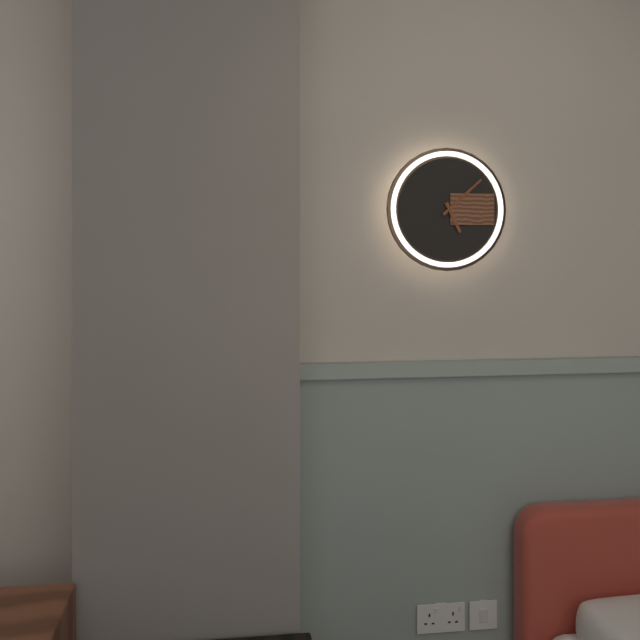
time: 5:08
